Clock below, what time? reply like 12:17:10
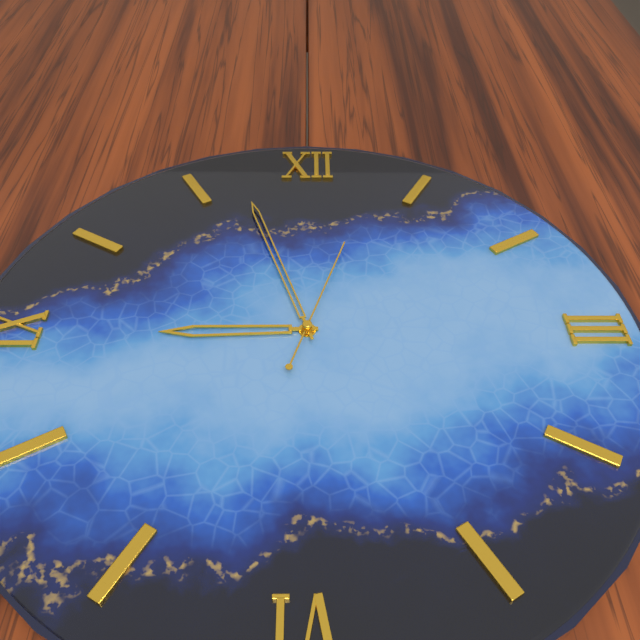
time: 8:57:03
